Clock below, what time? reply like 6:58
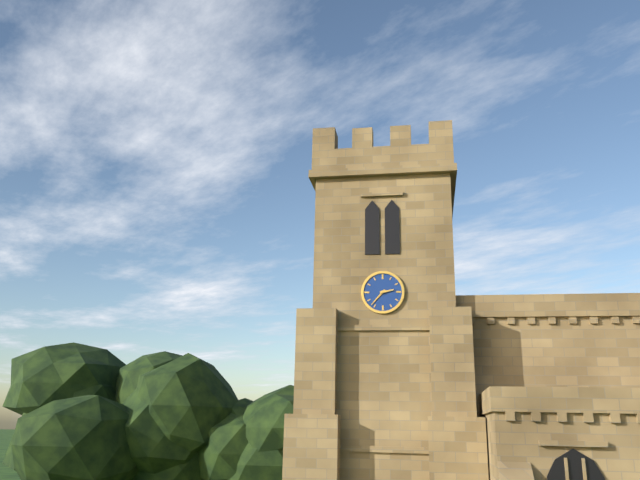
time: 2:37
